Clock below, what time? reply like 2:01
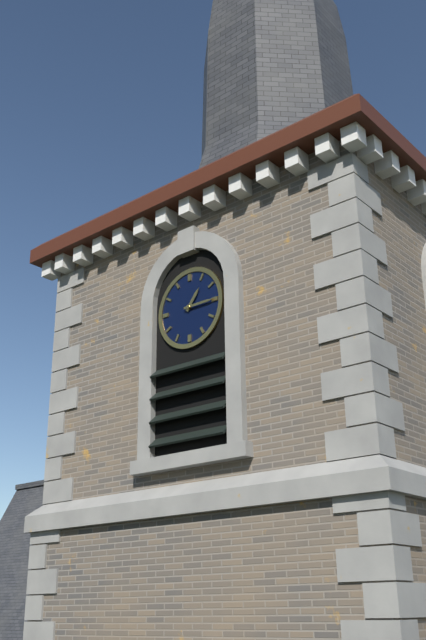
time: 1:15
